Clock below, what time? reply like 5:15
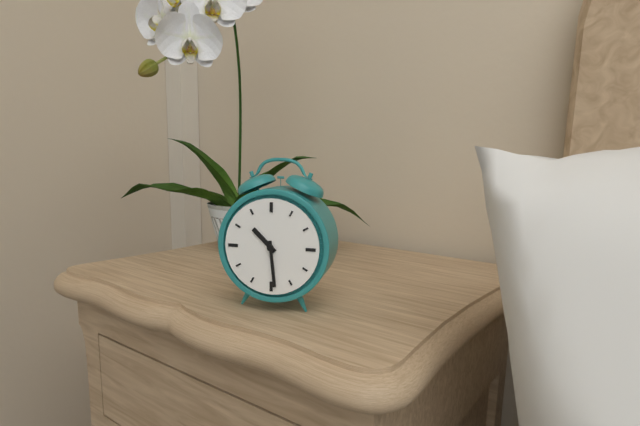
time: 10:29
